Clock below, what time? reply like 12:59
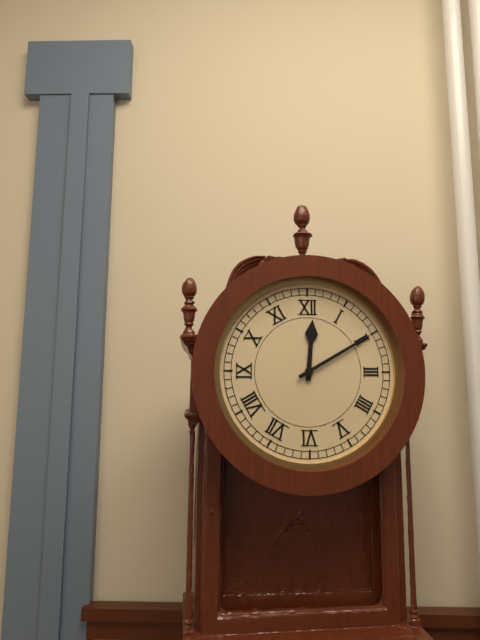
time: 12:10
